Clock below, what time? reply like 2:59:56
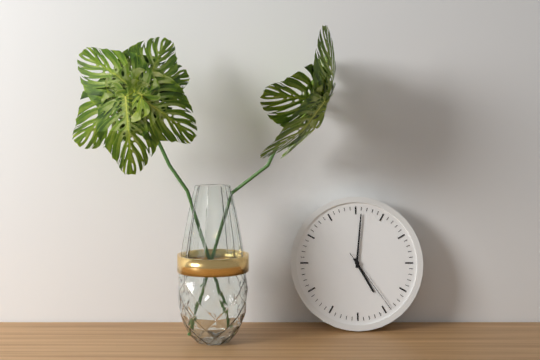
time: 5:01:24
